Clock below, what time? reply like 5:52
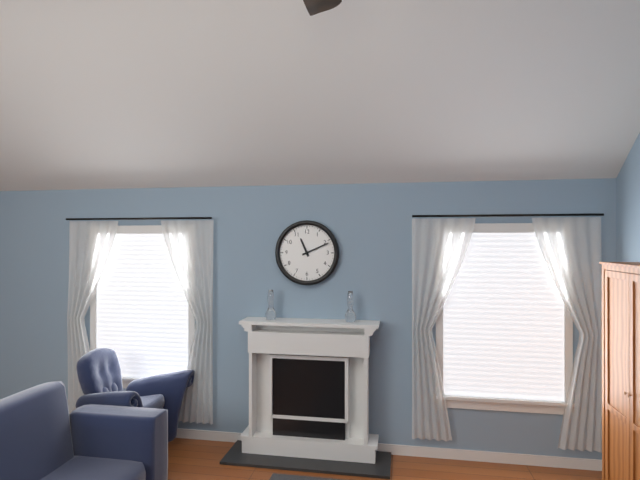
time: 11:11
